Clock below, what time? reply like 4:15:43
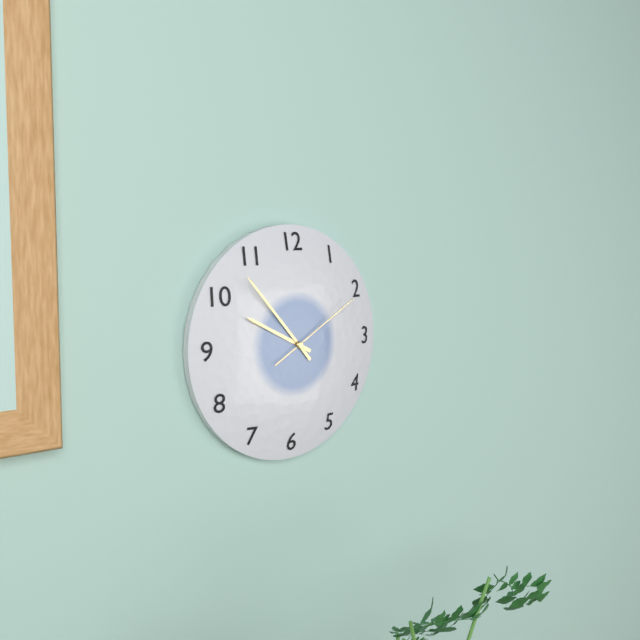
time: 9:53:10
